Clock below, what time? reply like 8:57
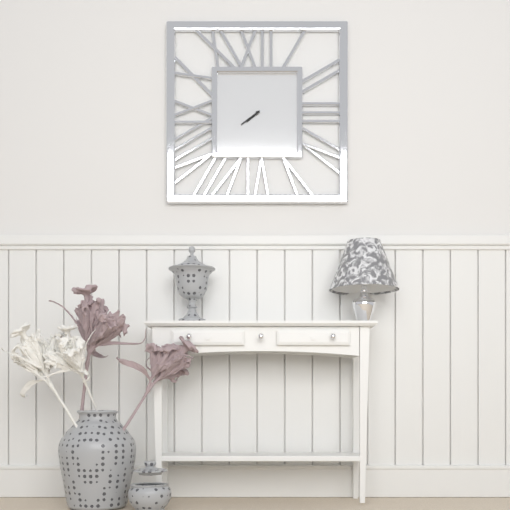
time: 7:39
